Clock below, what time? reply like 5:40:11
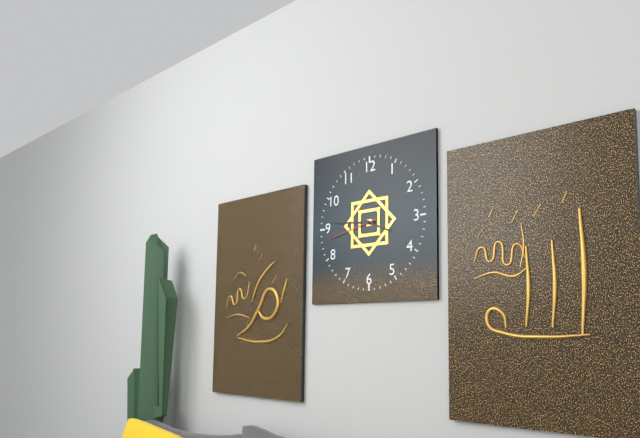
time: 3:46:43
